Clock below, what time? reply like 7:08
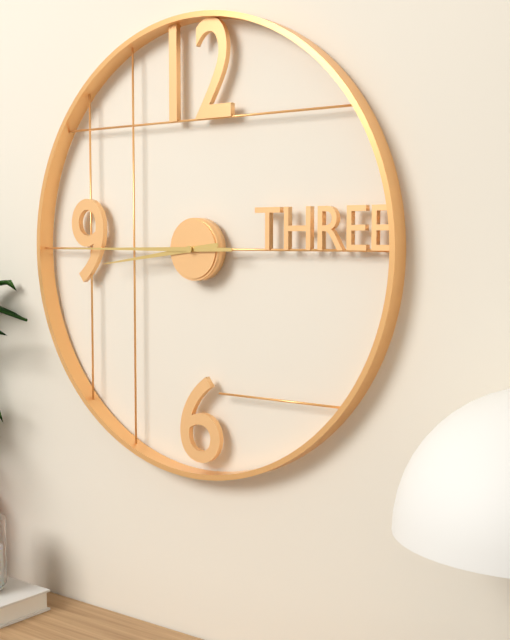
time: 8:45
